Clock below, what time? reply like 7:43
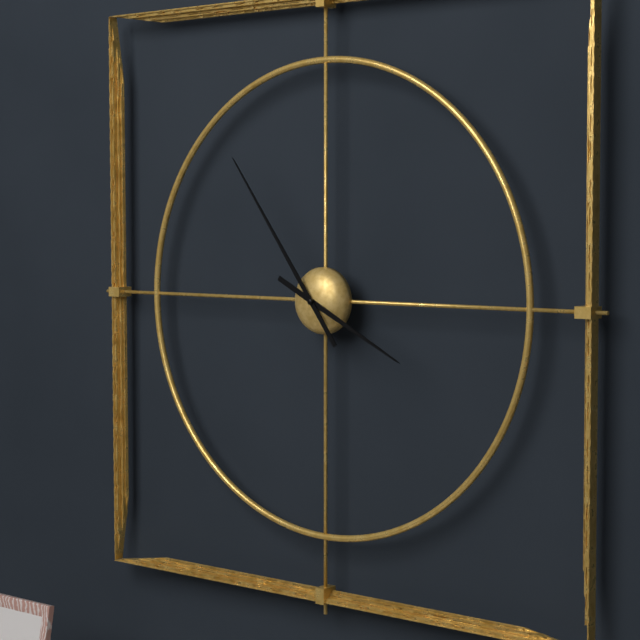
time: 3:54
